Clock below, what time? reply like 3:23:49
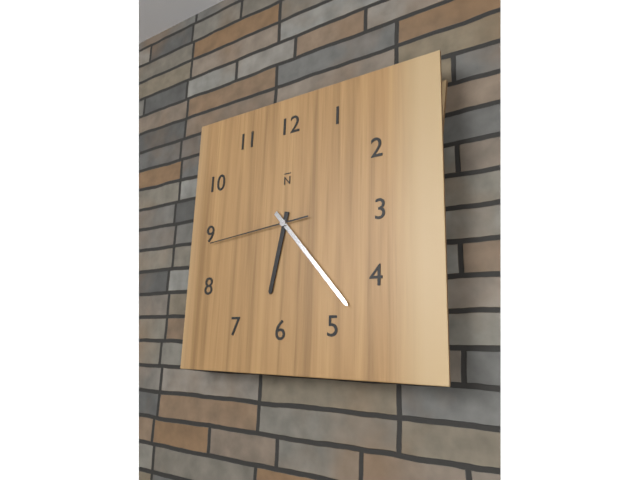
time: 6:23:44
